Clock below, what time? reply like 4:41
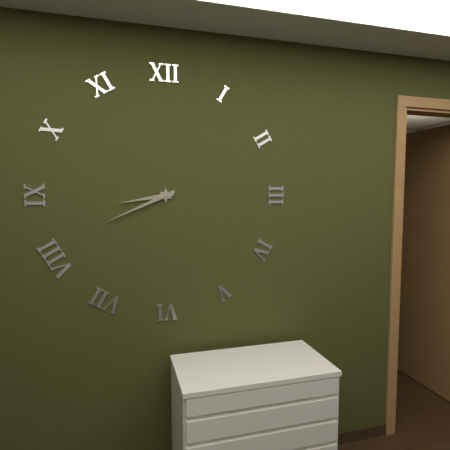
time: 8:41
